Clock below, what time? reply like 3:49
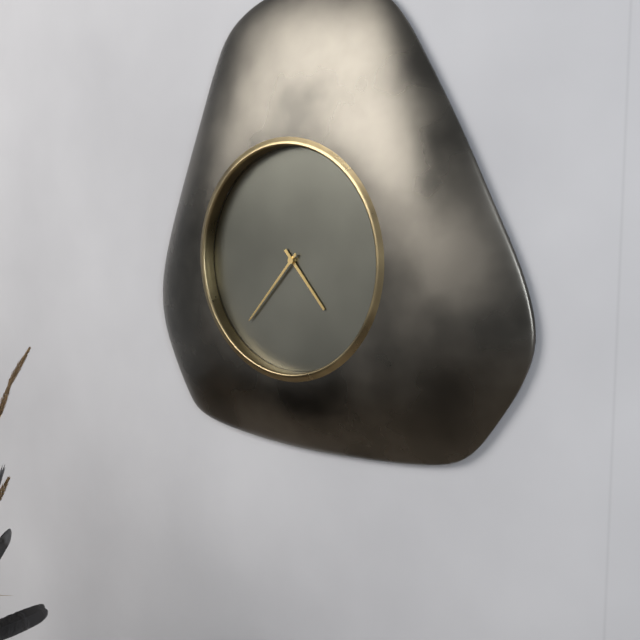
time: 4:37
